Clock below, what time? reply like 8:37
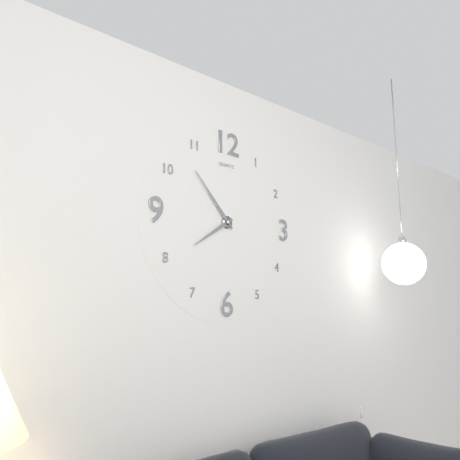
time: 7:53
